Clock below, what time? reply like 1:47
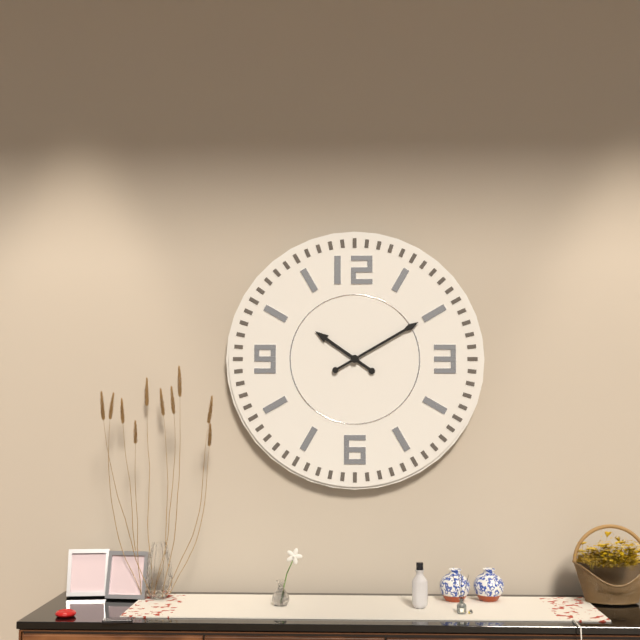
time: 10:10
